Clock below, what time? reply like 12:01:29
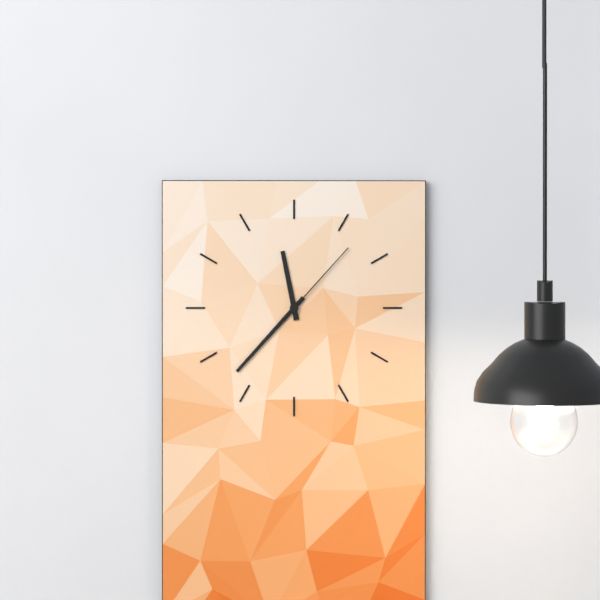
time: 11:37:07
